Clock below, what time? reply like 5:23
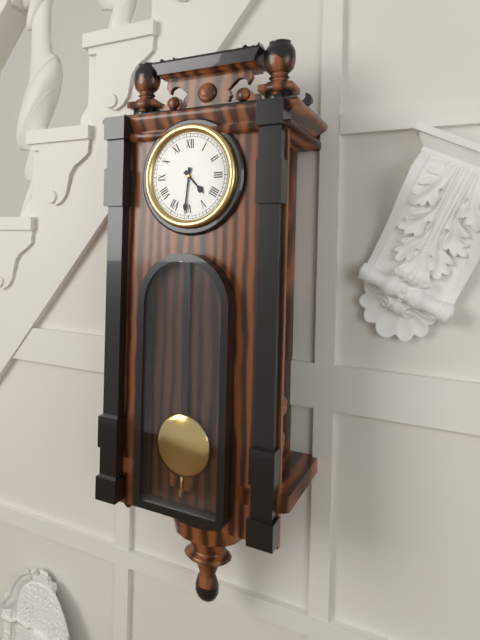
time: 4:31
